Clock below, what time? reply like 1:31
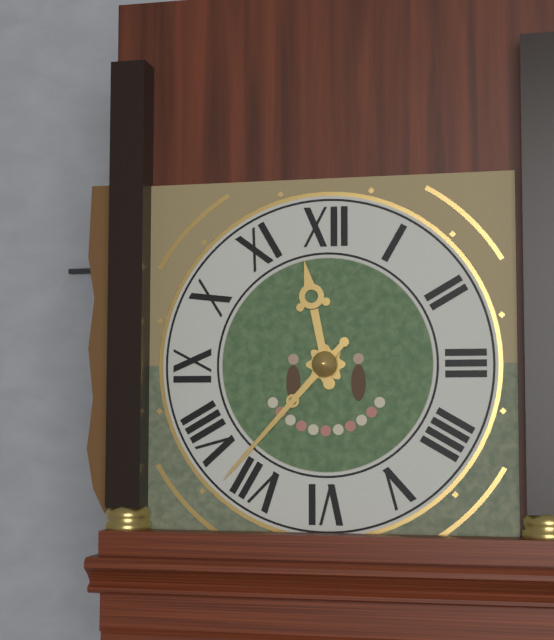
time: 11:37
